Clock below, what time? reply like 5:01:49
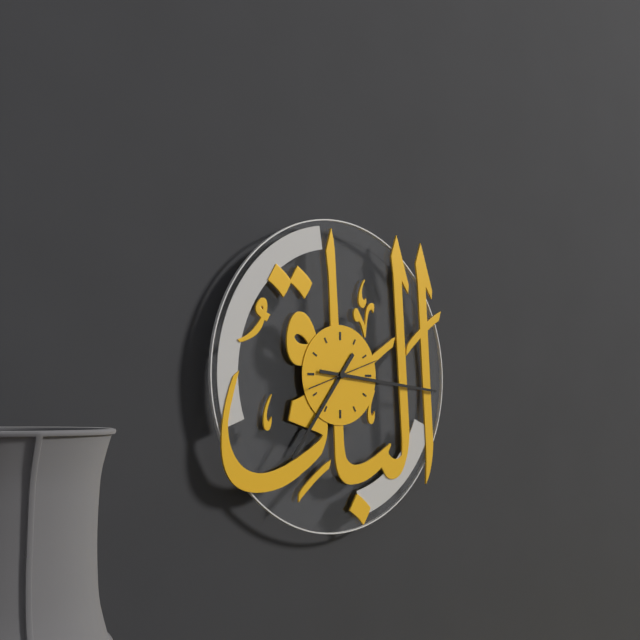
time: 7:16:12
